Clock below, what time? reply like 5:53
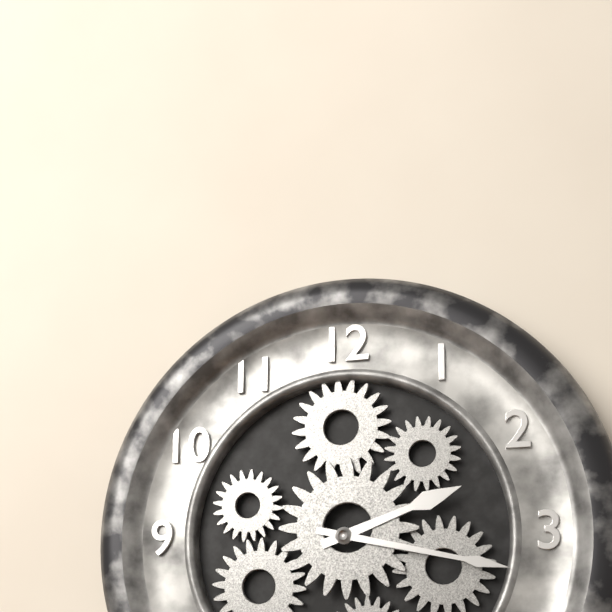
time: 2:17
